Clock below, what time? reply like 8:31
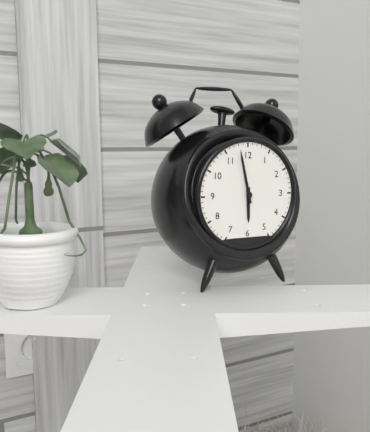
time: 5:58
